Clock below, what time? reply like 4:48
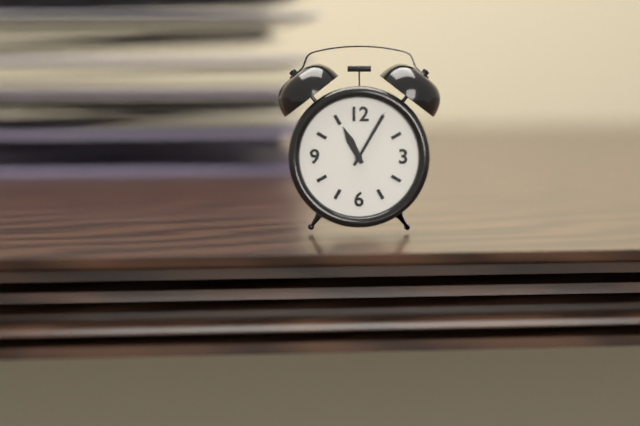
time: 11:05
